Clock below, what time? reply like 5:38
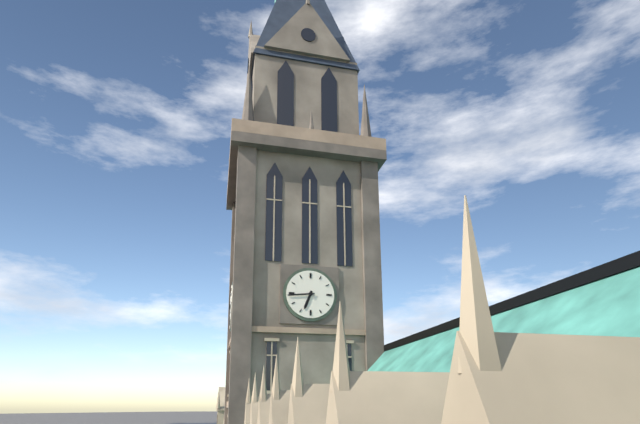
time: 6:44
